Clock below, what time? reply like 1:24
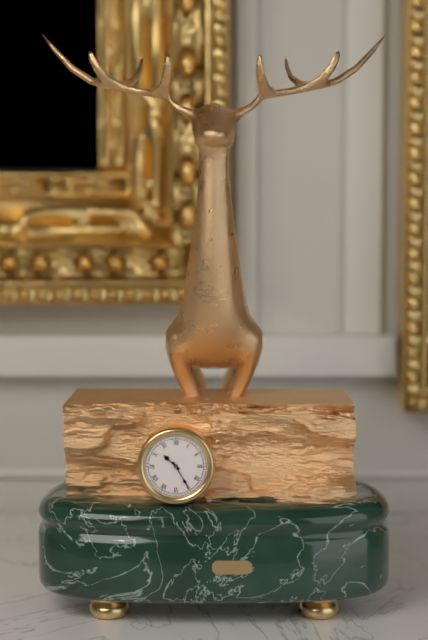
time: 10:25
